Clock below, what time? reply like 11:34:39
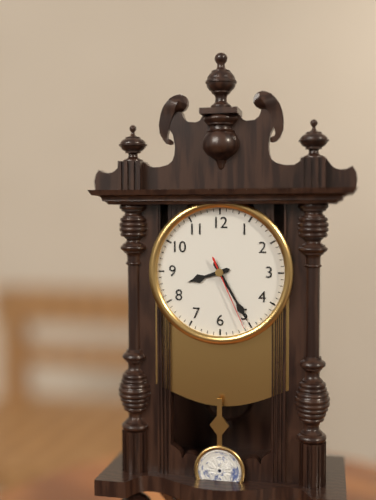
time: 8:25:26
